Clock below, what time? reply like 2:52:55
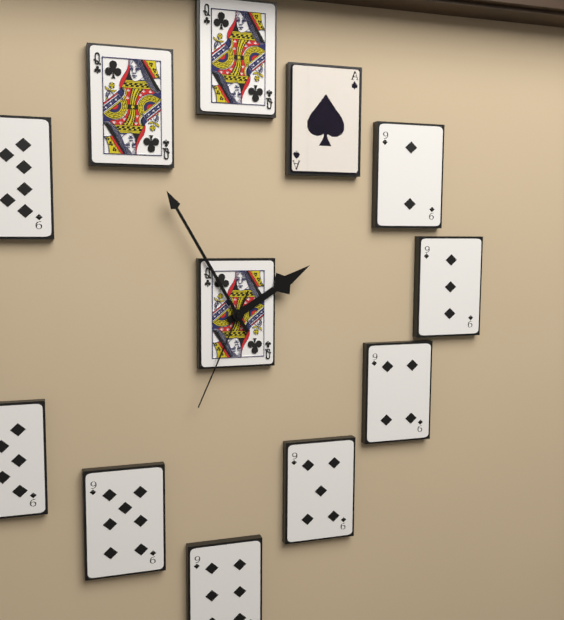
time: 1:55:34
